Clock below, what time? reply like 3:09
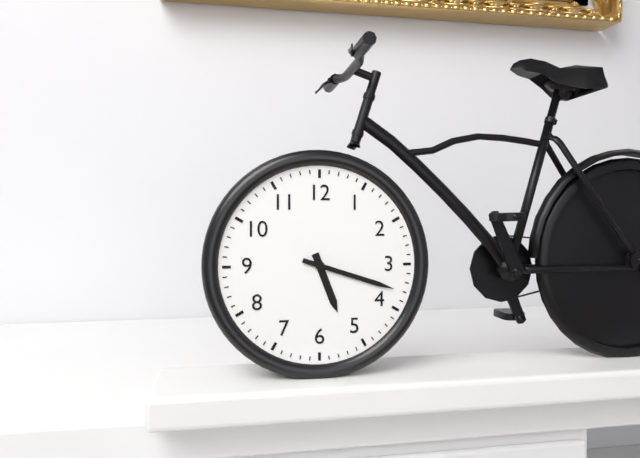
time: 5:18
